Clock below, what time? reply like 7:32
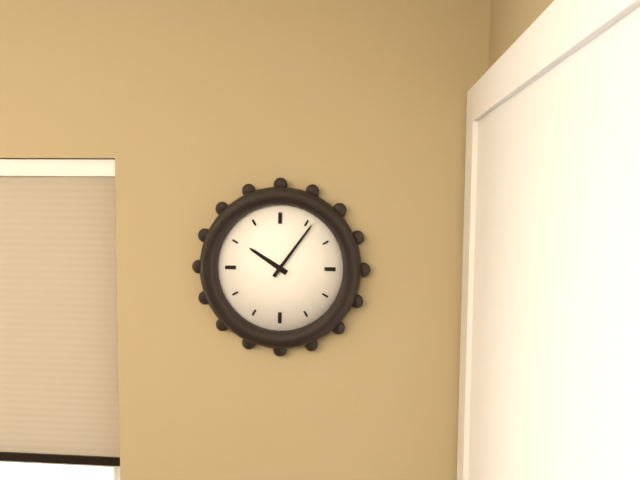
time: 10:06
